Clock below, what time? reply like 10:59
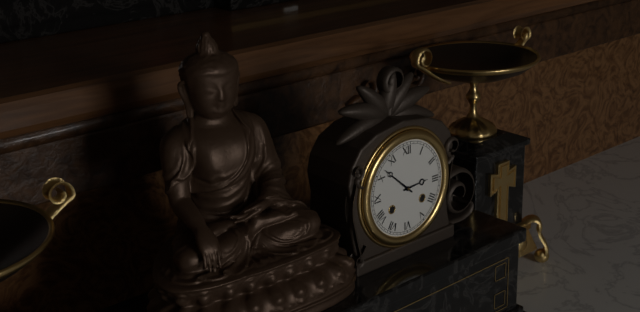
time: 2:52
